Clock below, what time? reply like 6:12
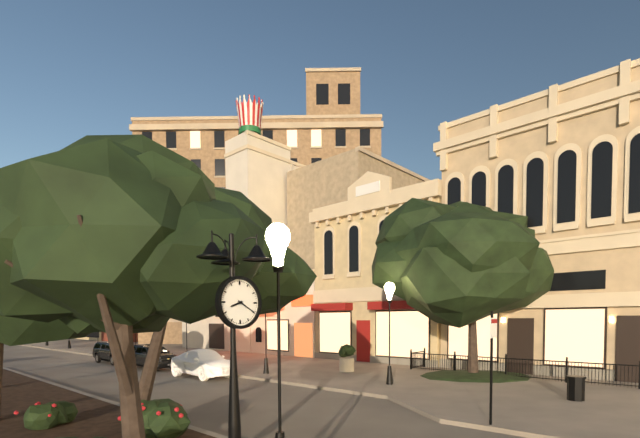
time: 8:20
